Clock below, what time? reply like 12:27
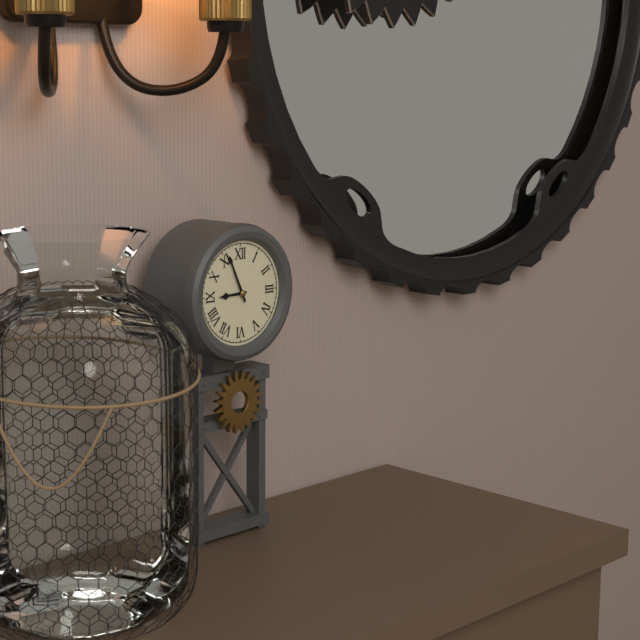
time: 8:56
